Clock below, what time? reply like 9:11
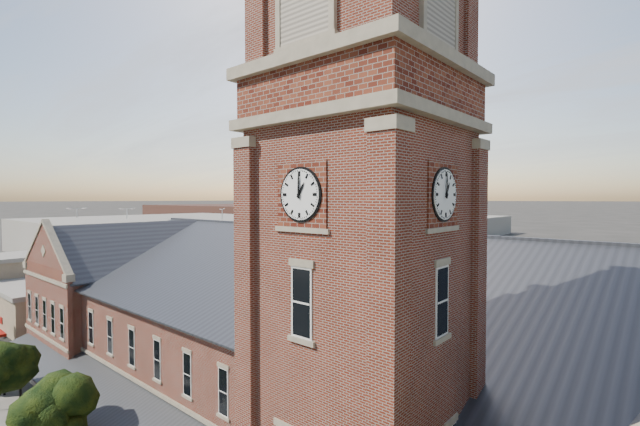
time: 1:00
